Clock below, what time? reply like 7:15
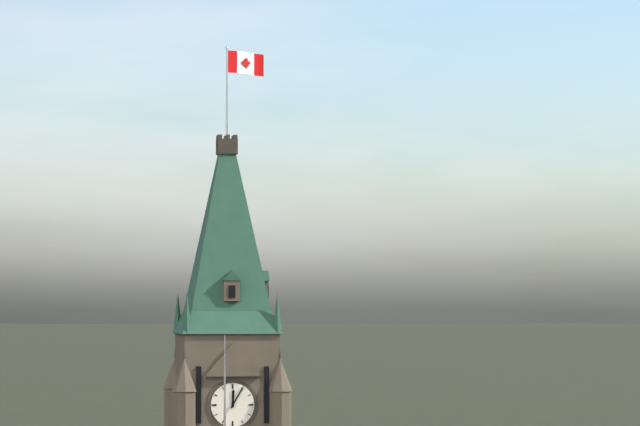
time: 12:05
